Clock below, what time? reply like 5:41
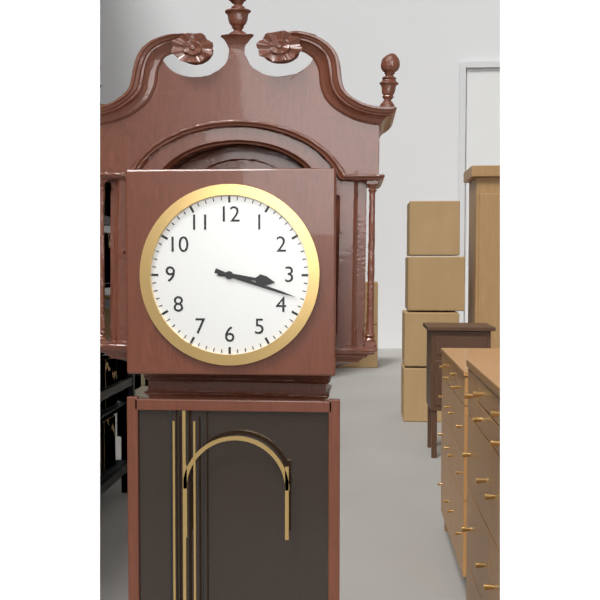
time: 3:18
